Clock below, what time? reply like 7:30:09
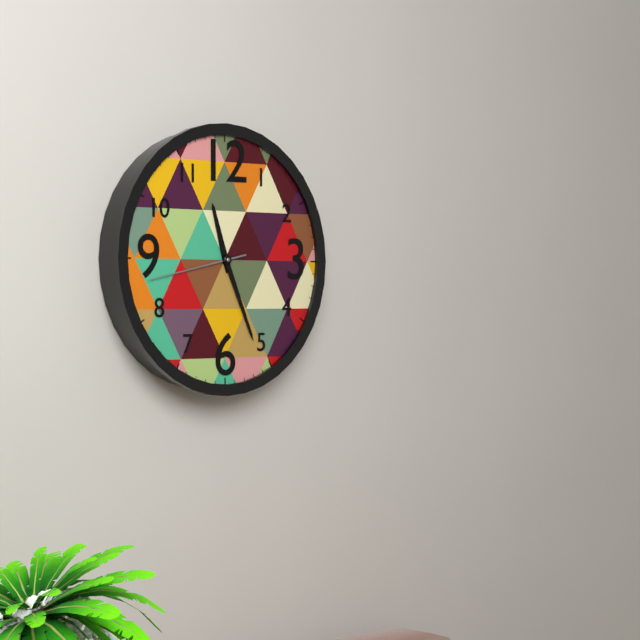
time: 11:26:43
